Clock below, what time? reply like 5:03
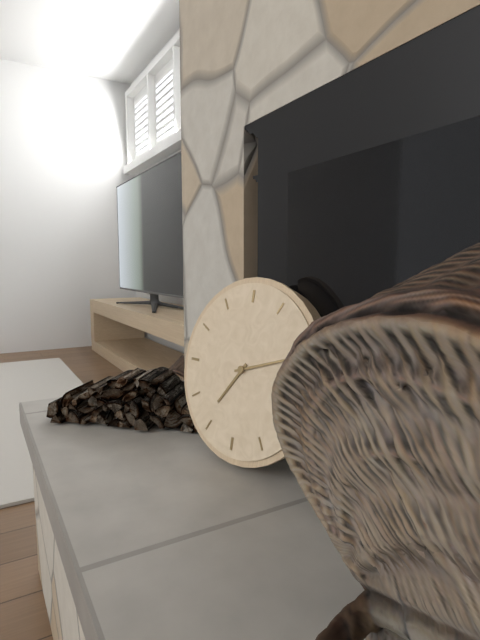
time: 7:12
